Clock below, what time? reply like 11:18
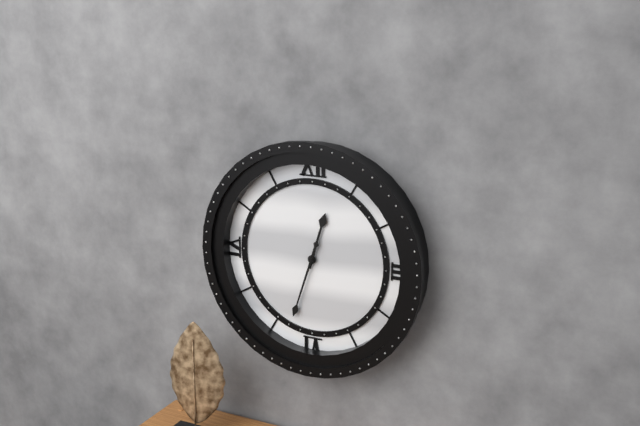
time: 12:33
